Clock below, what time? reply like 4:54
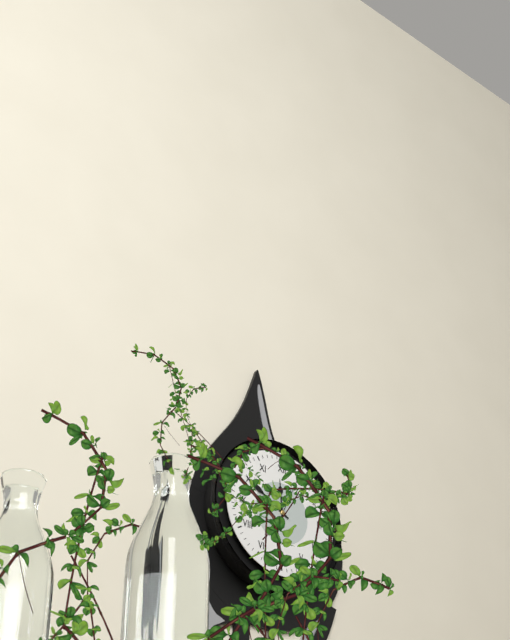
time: 11:50
